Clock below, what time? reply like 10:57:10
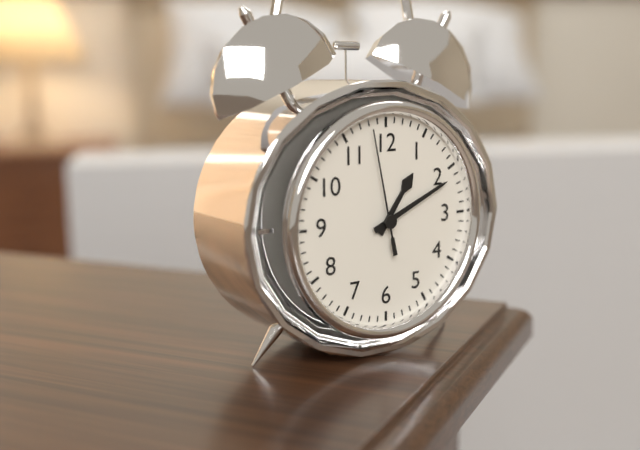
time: 1:11:58
